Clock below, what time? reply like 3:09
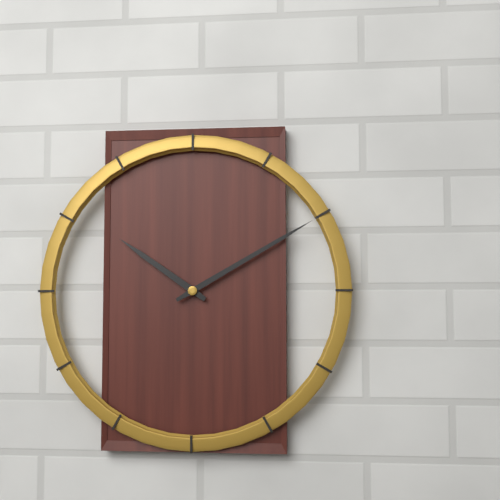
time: 10:10
